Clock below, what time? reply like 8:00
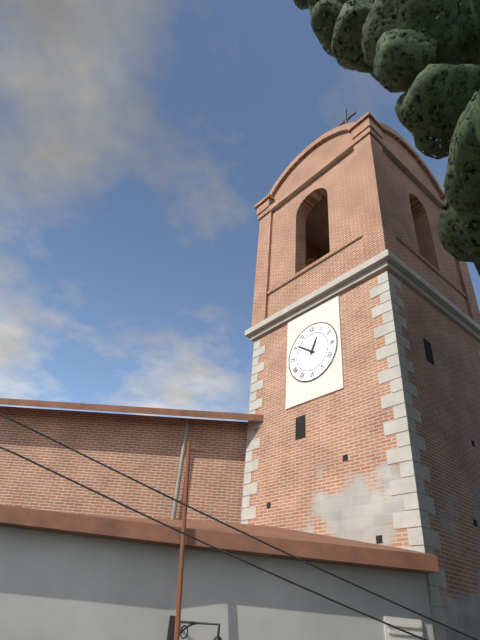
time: 12:51
